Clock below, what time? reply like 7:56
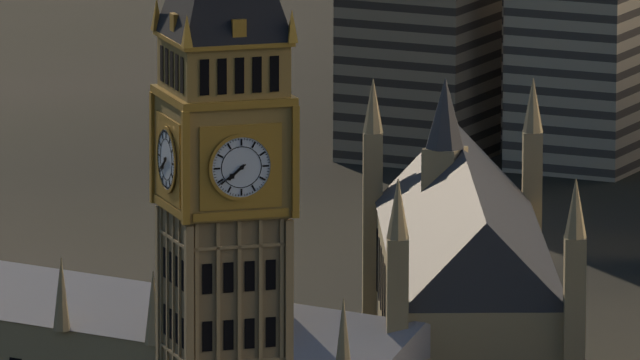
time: 7:39
